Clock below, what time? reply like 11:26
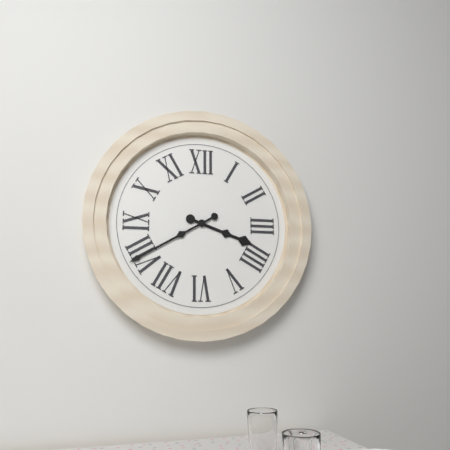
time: 3:40
